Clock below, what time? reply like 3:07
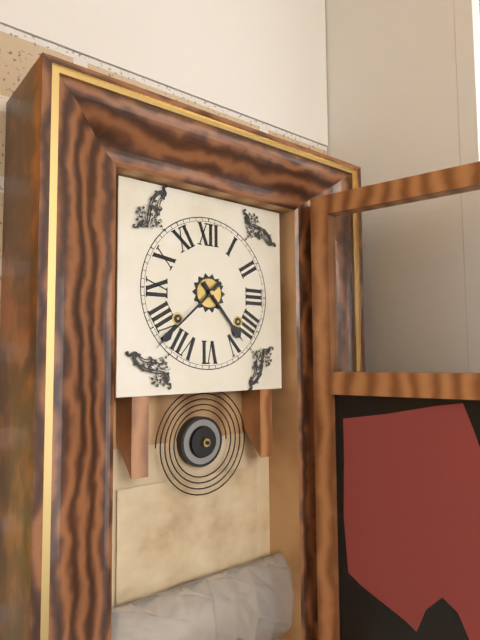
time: 4:38
